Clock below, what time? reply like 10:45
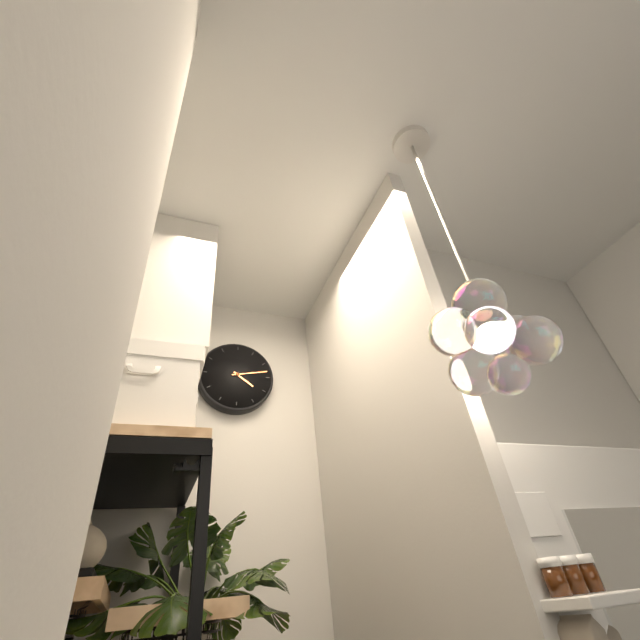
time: 4:13
